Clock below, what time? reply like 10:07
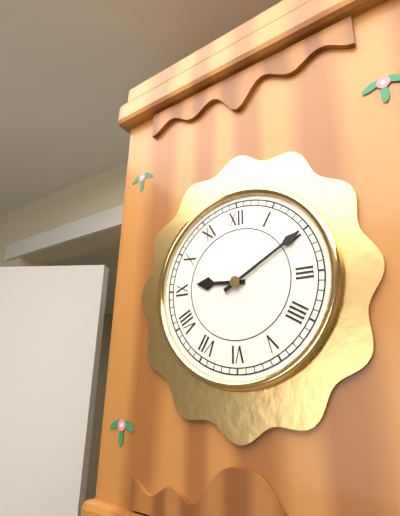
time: 9:10
